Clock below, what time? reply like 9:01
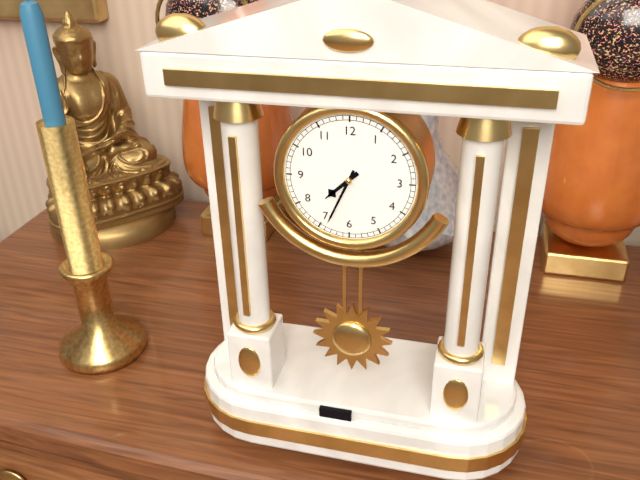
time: 7:34
